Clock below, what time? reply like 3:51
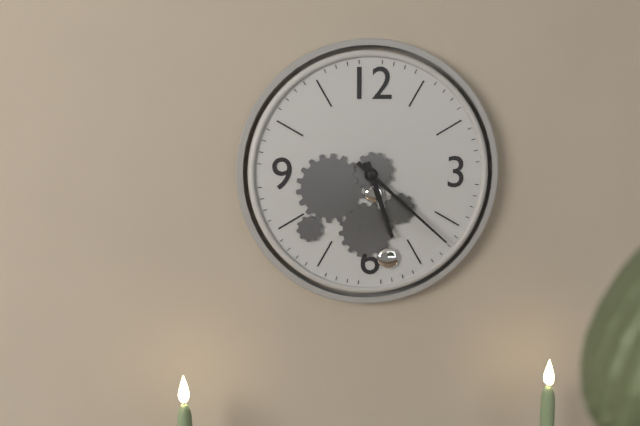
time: 5:22
